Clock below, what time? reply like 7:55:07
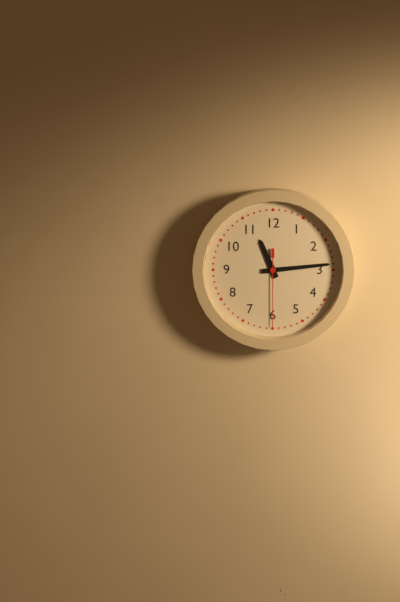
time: 11:14:30
